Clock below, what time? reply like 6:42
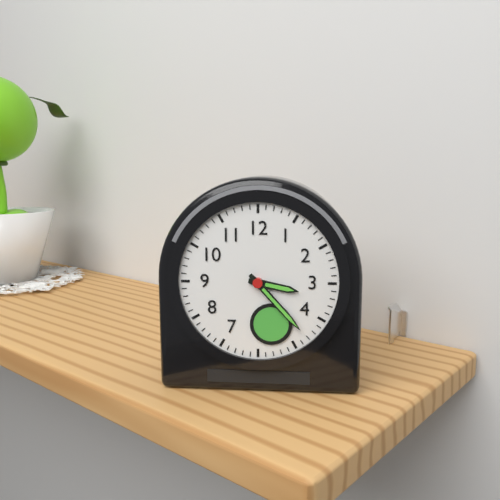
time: 3:23
